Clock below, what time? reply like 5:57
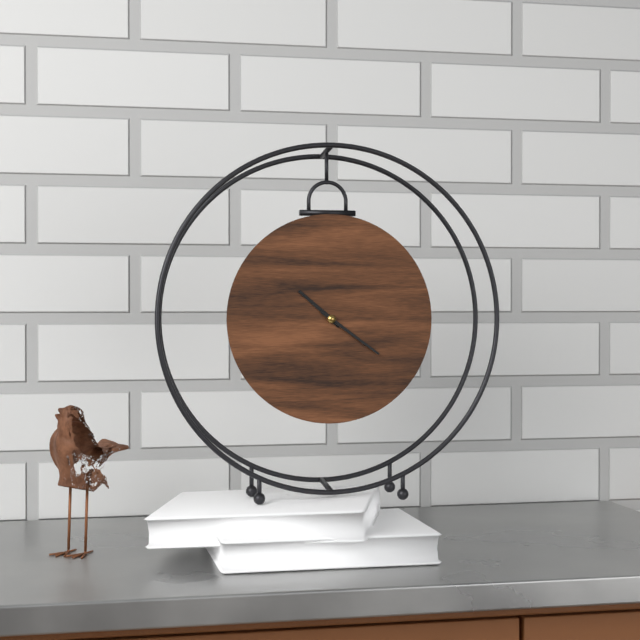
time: 10:21
